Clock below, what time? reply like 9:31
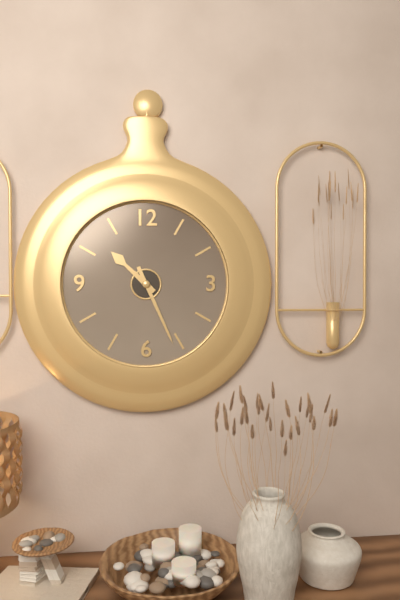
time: 10:26
